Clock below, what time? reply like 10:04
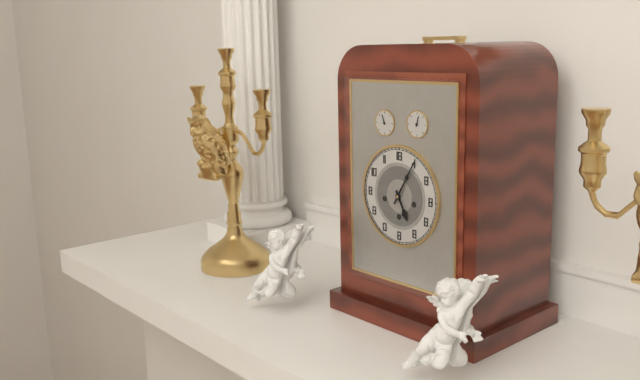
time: 5:05
